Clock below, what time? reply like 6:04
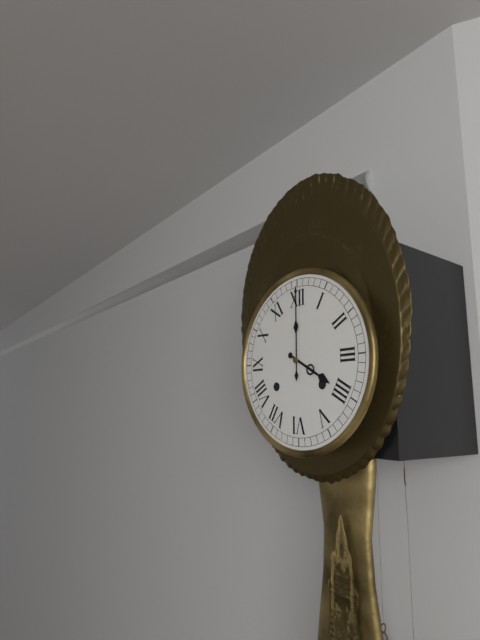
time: 4:00
